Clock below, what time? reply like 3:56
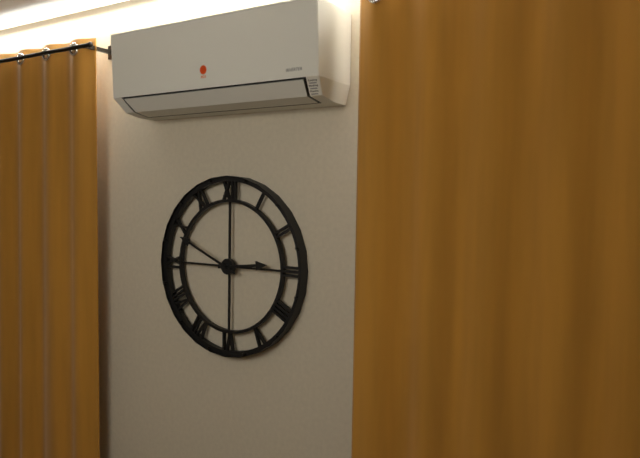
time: 2:49
